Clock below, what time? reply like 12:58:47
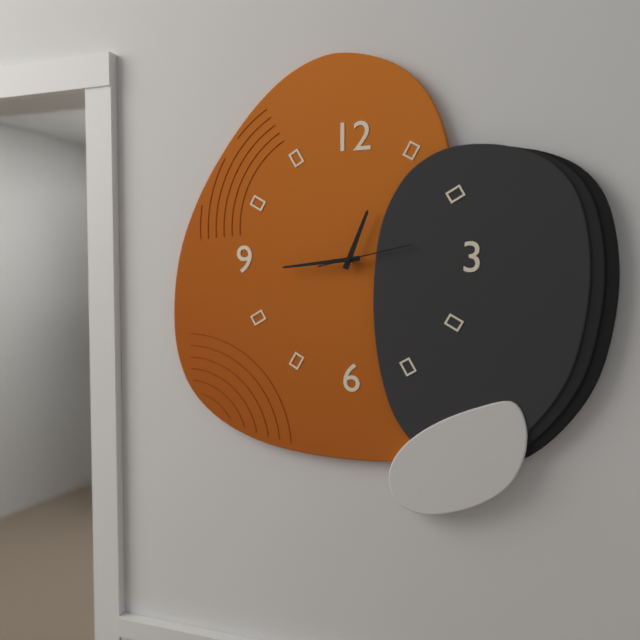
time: 12:44:13
